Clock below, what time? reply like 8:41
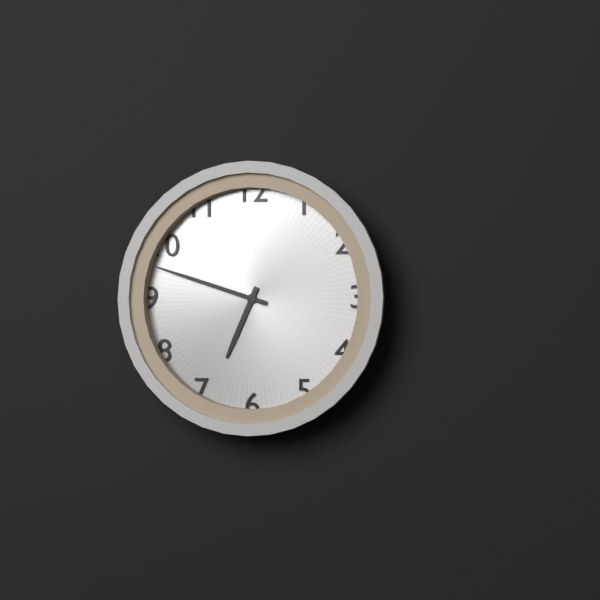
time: 6:48
